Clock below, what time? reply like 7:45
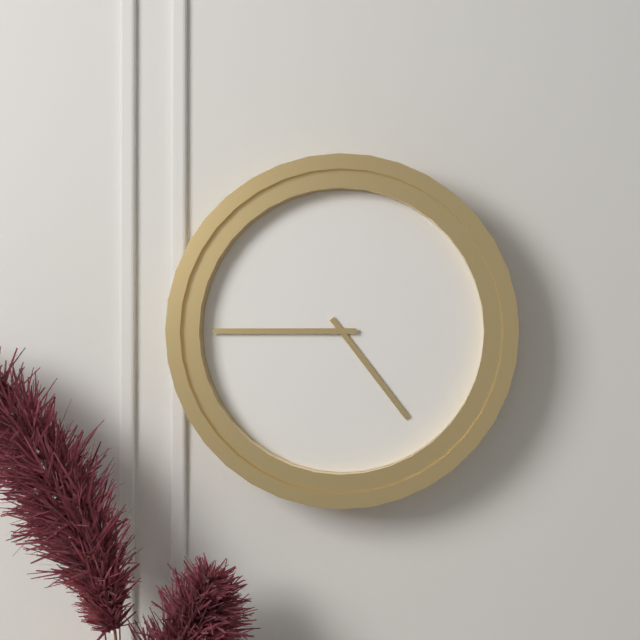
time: 4:45
